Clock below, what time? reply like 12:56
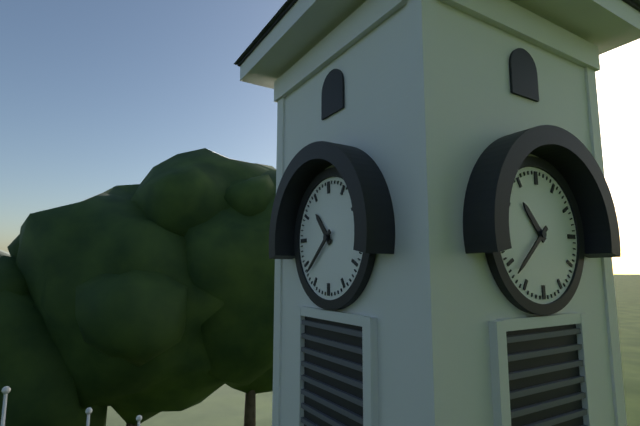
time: 10:38
